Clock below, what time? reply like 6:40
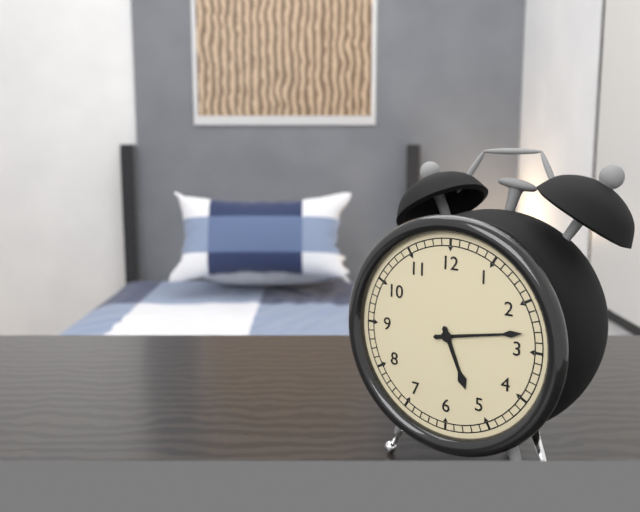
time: 5:13
